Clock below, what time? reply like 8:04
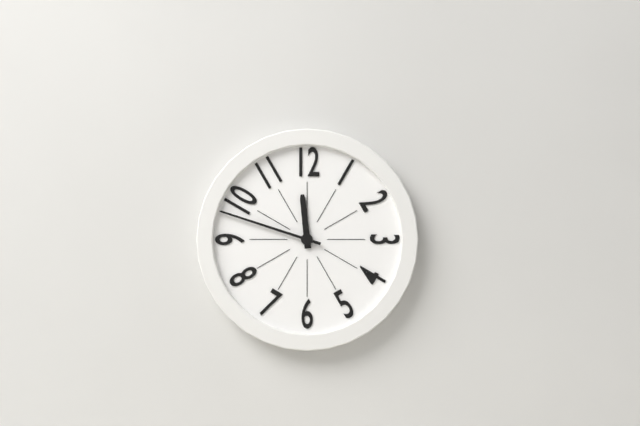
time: 11:48
